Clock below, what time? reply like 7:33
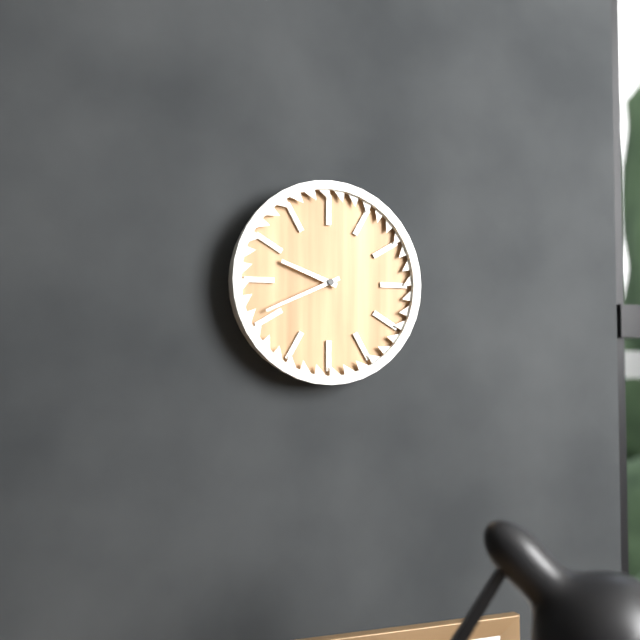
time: 9:41
